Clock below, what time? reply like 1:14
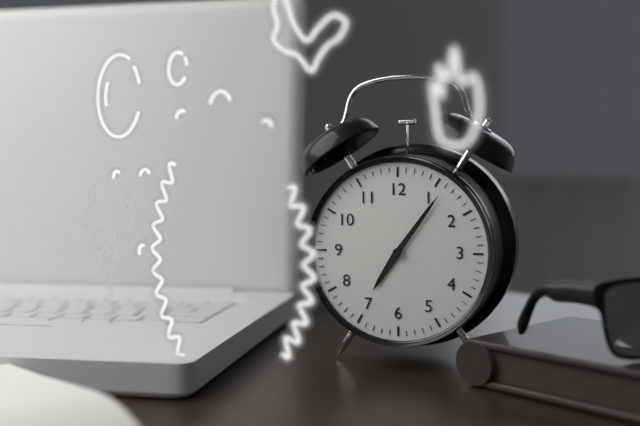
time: 7:06
